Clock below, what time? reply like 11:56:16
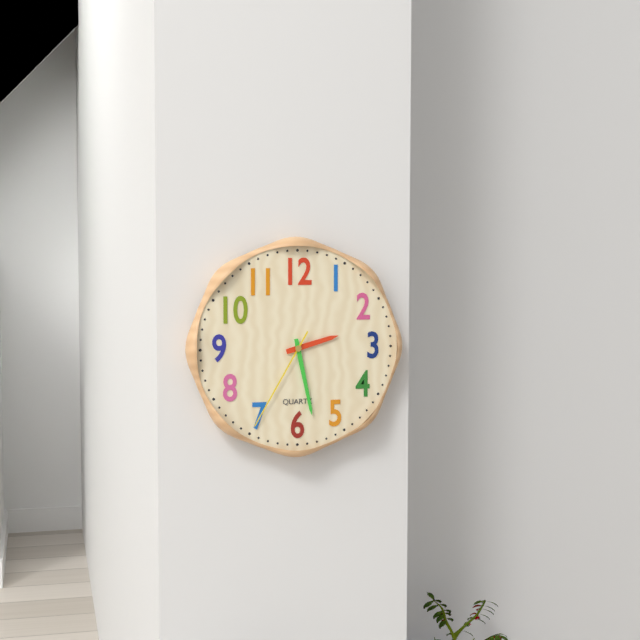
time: 2:28:35
